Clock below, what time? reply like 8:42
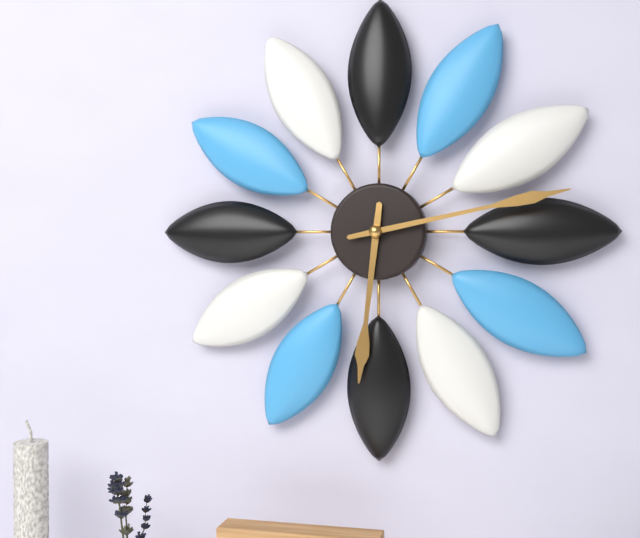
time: 6:13
